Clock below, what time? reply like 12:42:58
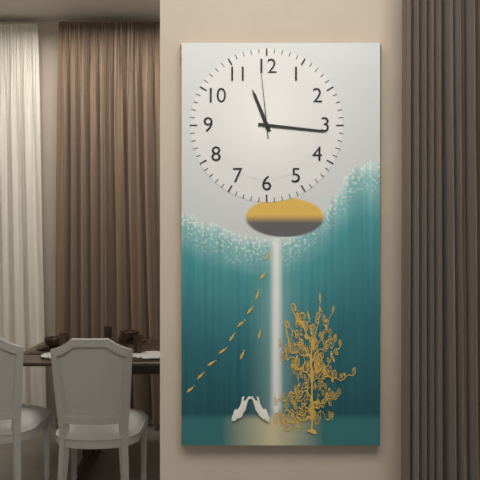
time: 11:16:59
